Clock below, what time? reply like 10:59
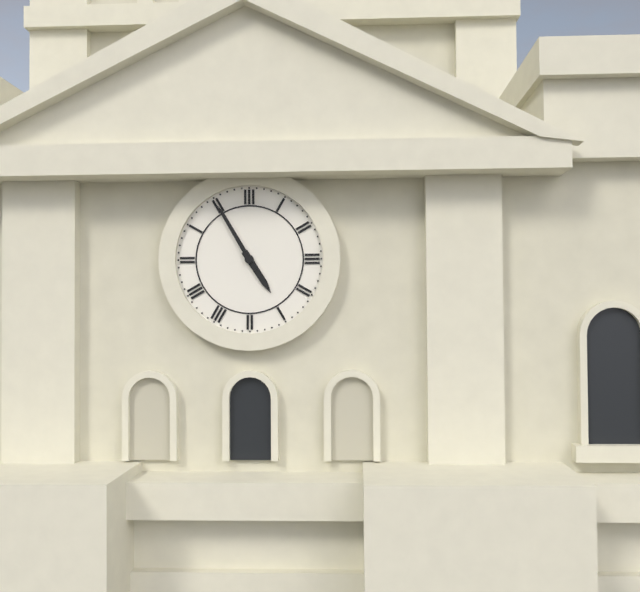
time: 4:55
